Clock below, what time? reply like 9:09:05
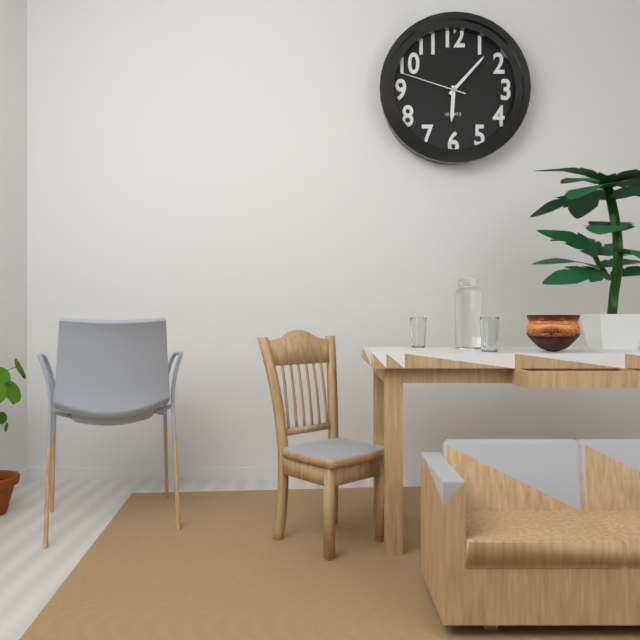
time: 6:07:48
